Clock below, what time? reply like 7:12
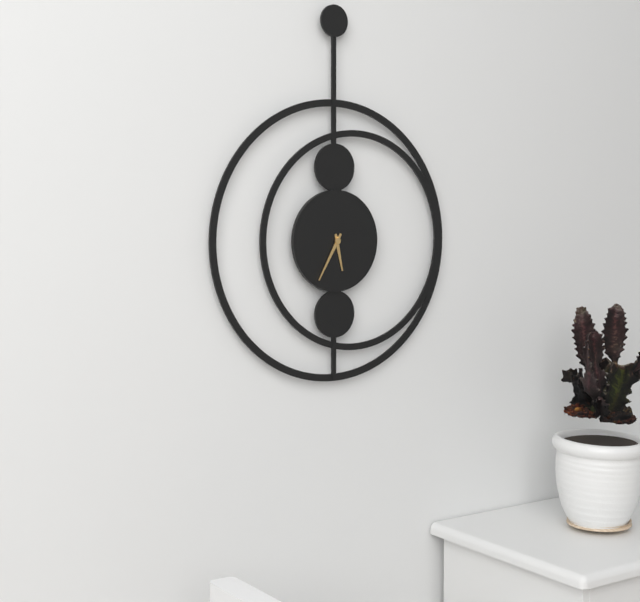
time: 5:35
